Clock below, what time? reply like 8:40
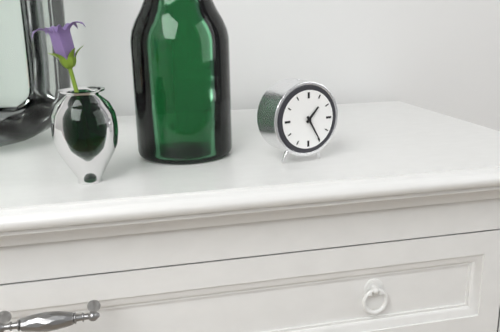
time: 1:25
